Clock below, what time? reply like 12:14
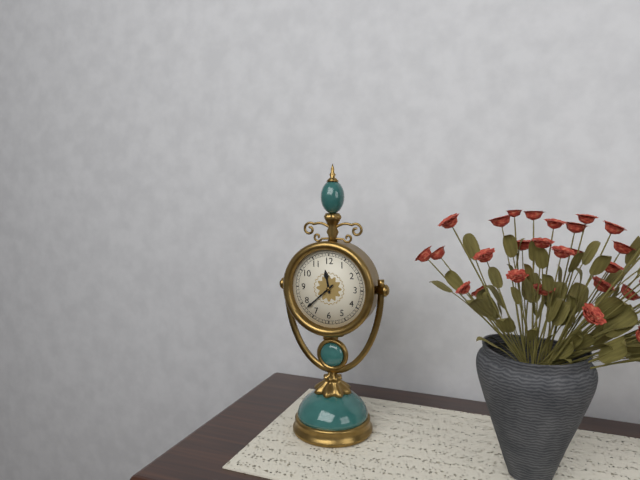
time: 11:38
